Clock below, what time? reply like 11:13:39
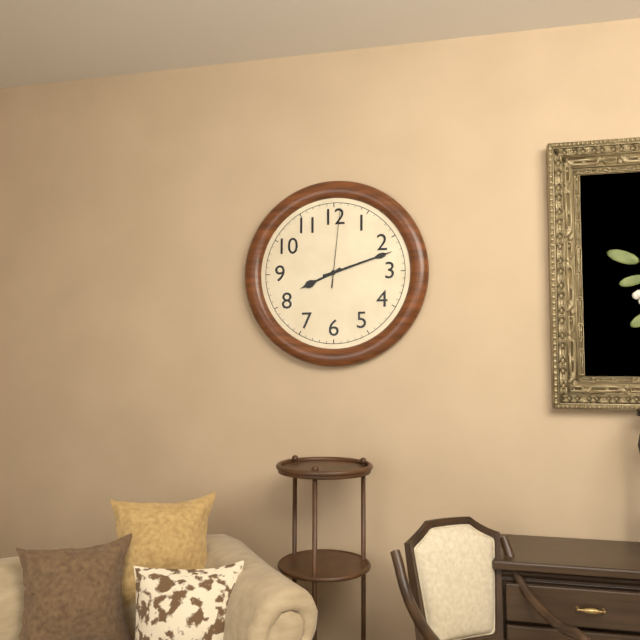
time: 8:12:01
